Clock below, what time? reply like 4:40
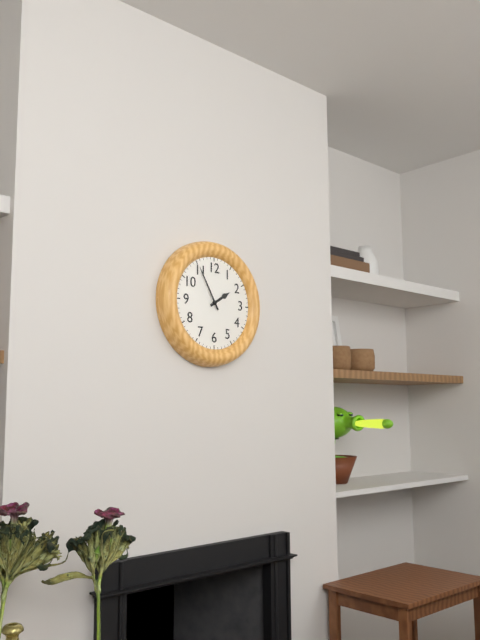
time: 1:55
